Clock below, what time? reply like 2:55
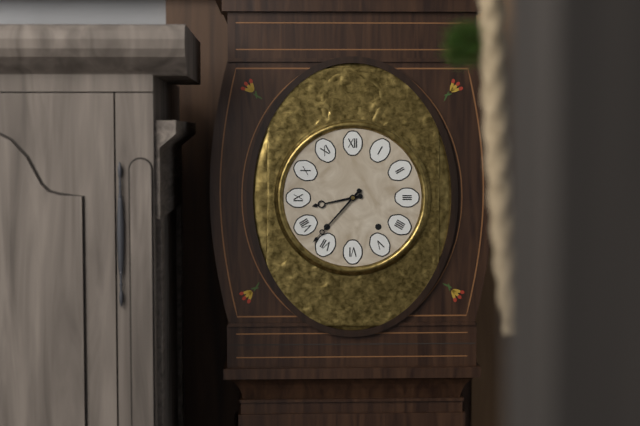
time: 8:37
